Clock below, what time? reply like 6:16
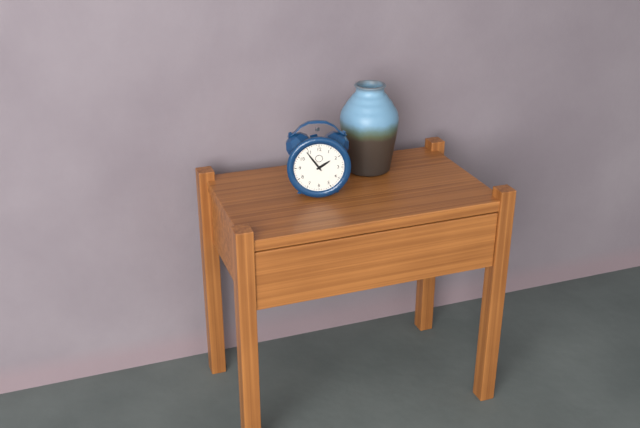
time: 1:54
